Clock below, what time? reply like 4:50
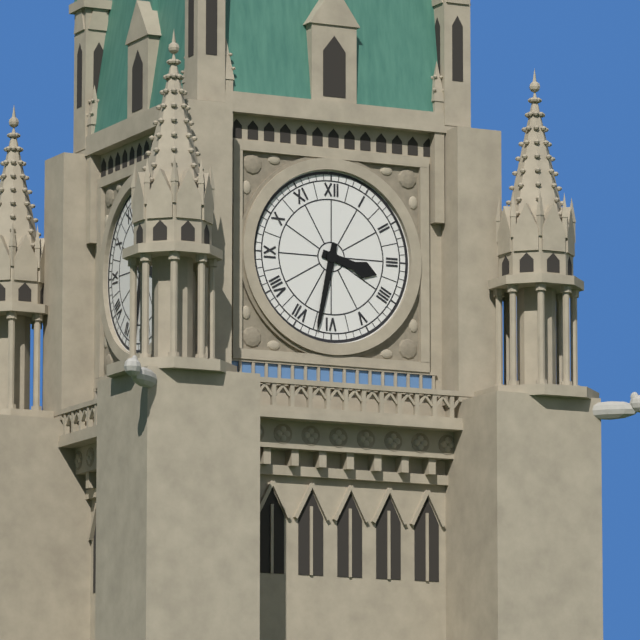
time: 3:32
